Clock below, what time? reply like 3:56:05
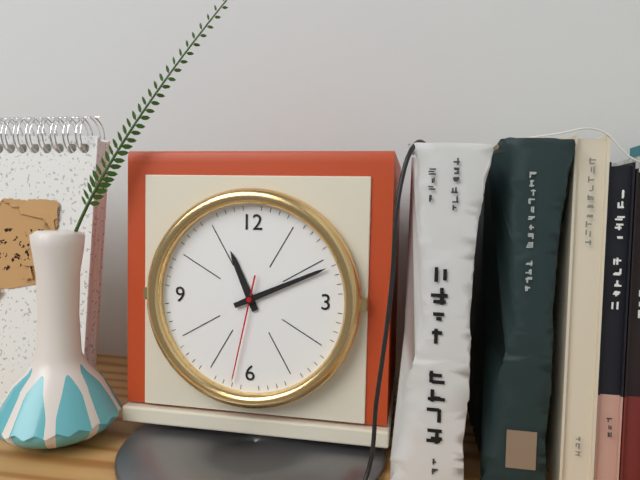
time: 11:11:32
